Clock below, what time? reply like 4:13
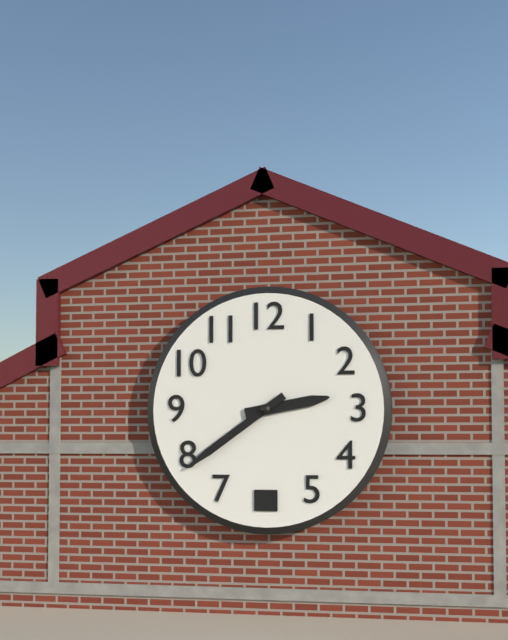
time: 2:39
